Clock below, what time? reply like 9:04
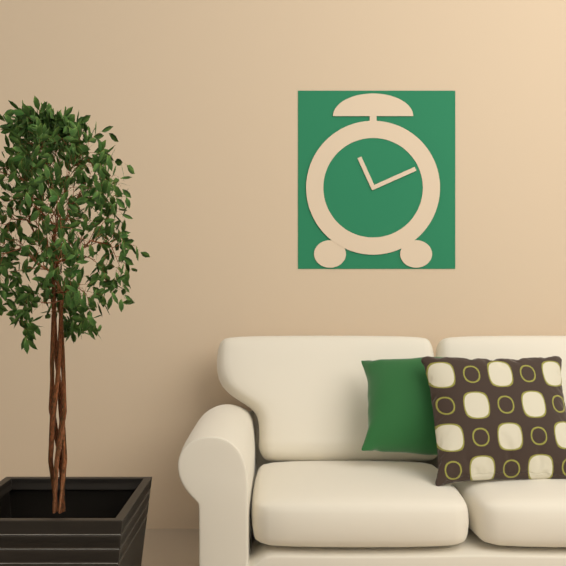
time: 11:11
